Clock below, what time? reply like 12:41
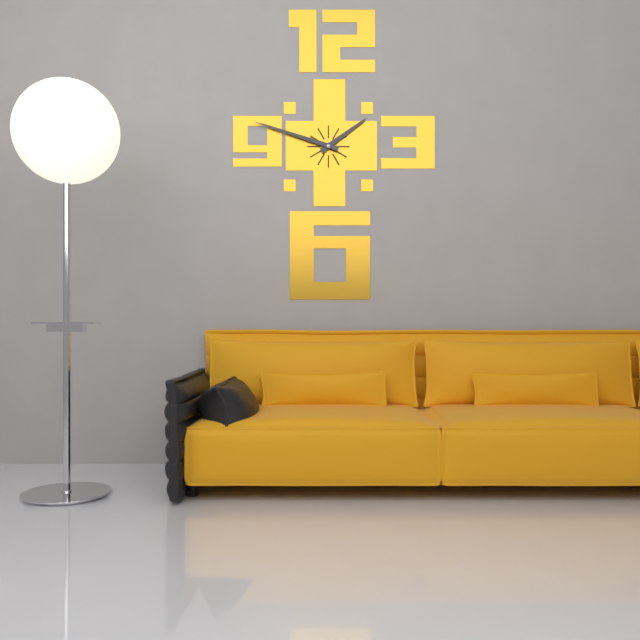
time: 1:48
